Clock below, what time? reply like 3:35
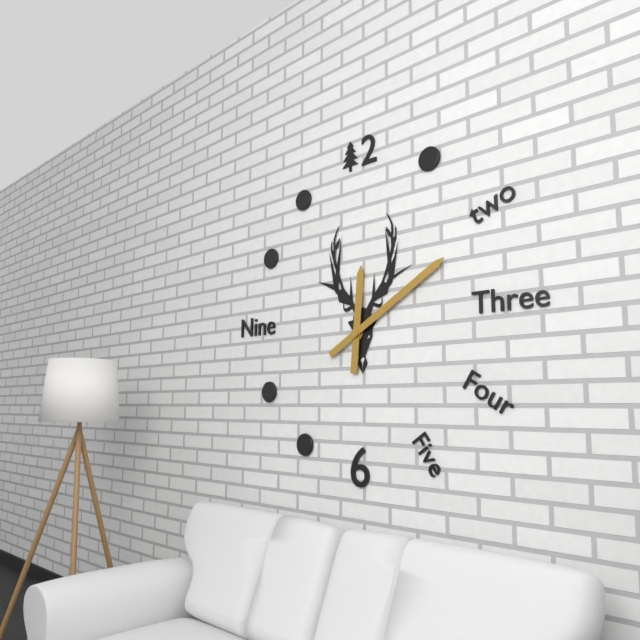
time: 12:10
